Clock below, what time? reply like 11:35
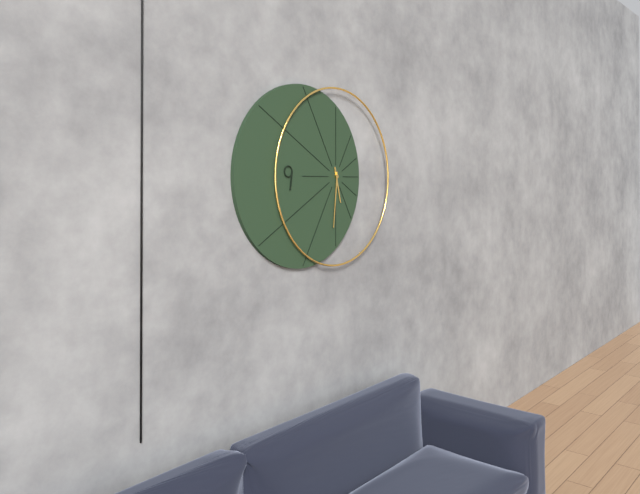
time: 5:31
